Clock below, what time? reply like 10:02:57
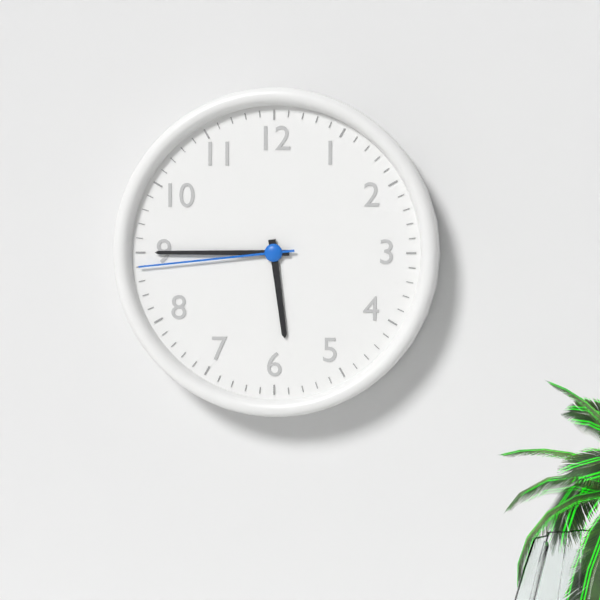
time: 5:45:44
